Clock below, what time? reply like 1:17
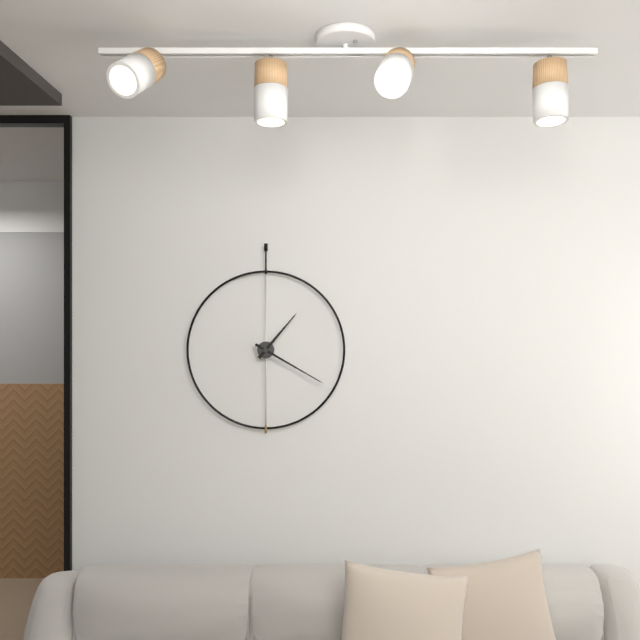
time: 1:20
